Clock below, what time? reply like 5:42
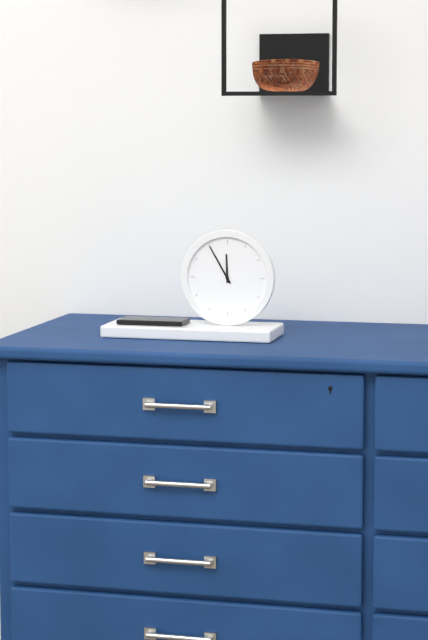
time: 11:55
